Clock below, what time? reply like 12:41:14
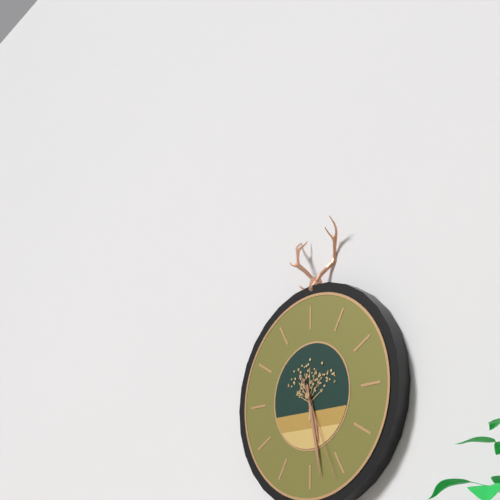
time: 5:28:26
